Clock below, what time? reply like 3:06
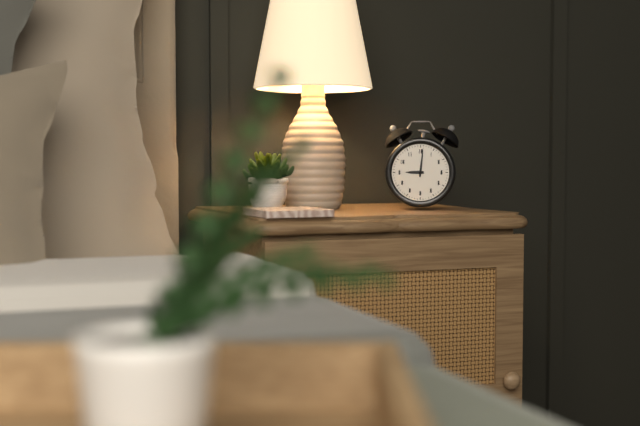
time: 9:01
